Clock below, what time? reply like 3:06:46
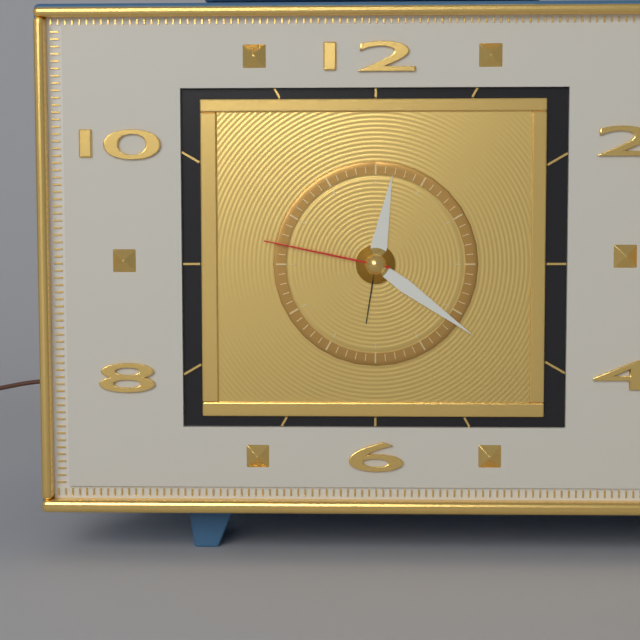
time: 12:21:47
